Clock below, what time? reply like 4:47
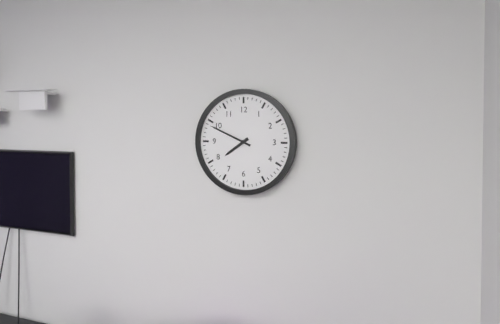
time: 7:49
